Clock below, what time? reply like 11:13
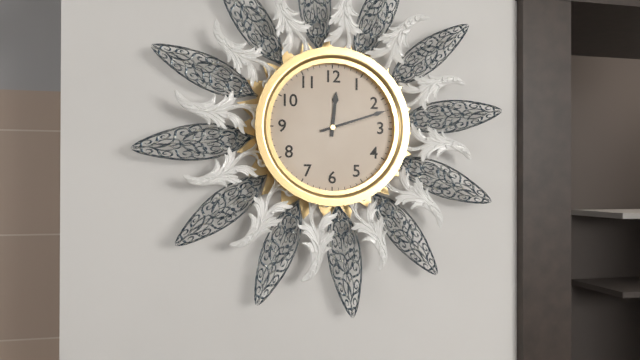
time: 12:12
